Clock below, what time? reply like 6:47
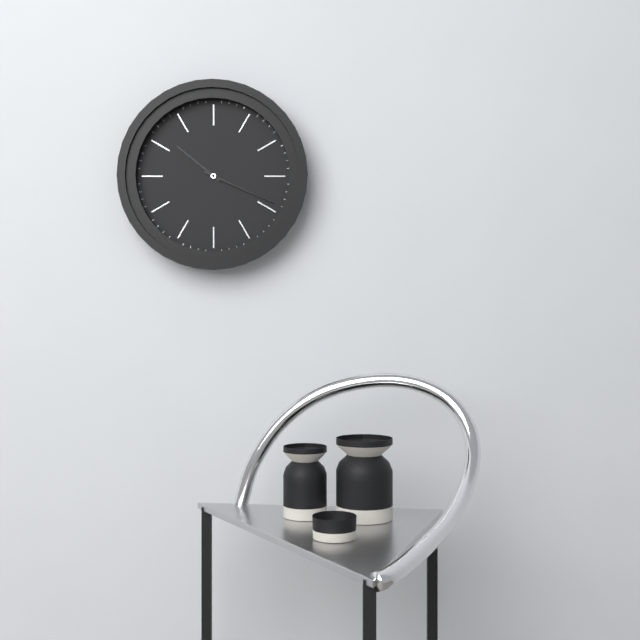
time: 10:19
